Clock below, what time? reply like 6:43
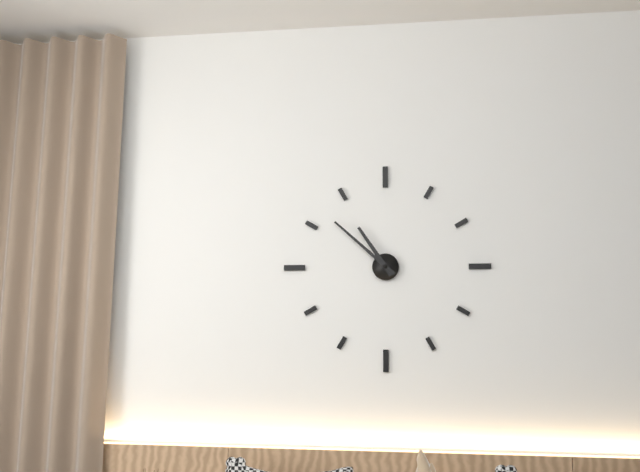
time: 10:52
